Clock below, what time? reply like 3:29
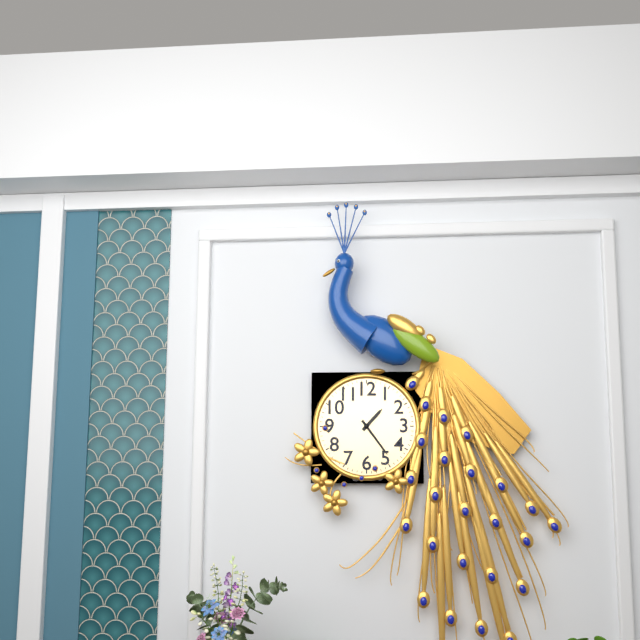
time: 1:24
